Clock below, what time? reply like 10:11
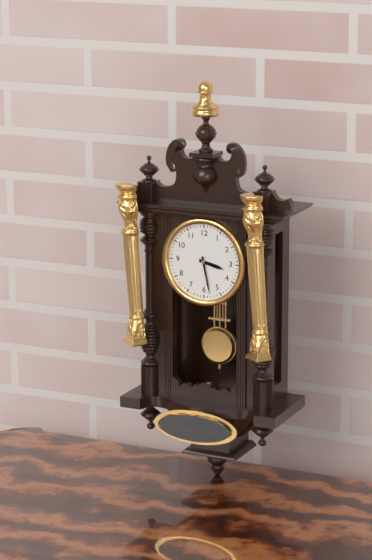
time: 3:28
